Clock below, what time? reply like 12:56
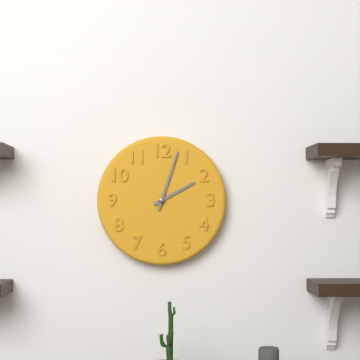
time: 2:03
